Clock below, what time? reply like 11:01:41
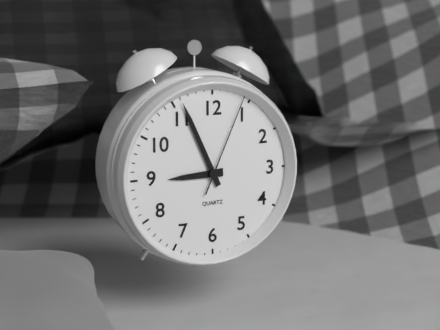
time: 8:56:04
